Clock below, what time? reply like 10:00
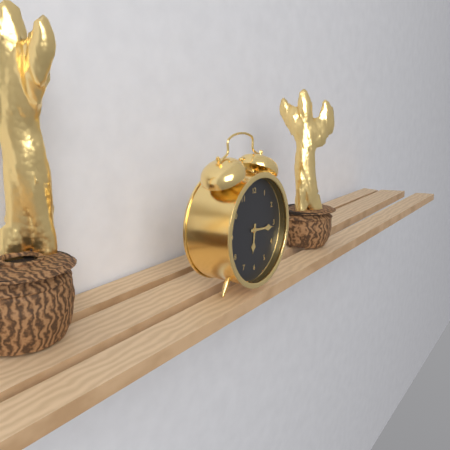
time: 6:16
